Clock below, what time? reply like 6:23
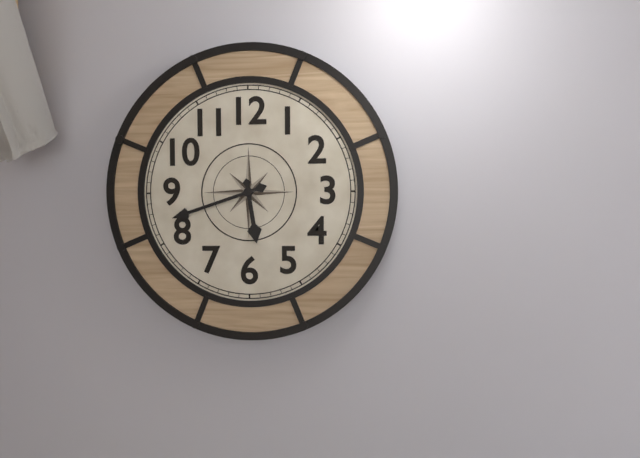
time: 5:42
